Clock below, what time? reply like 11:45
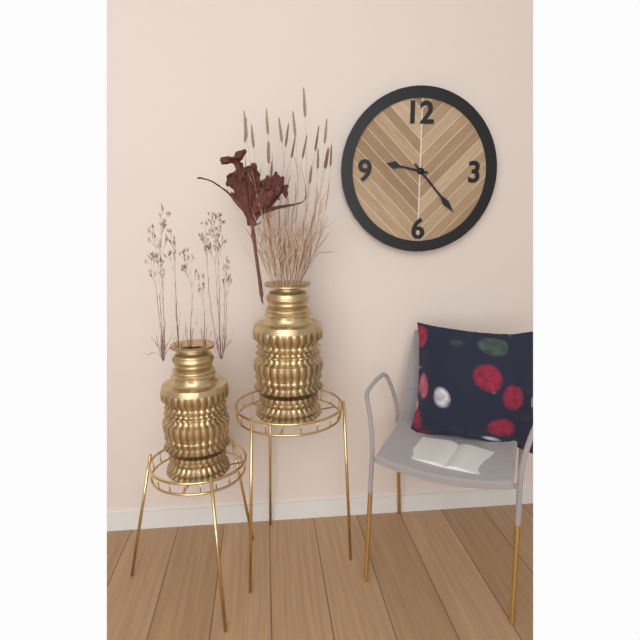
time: 9:23
